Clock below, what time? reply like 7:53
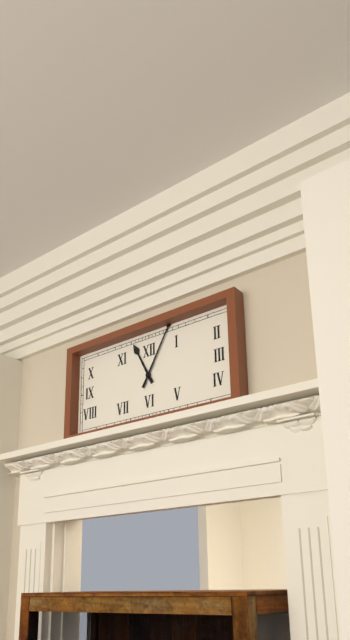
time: 11:05
